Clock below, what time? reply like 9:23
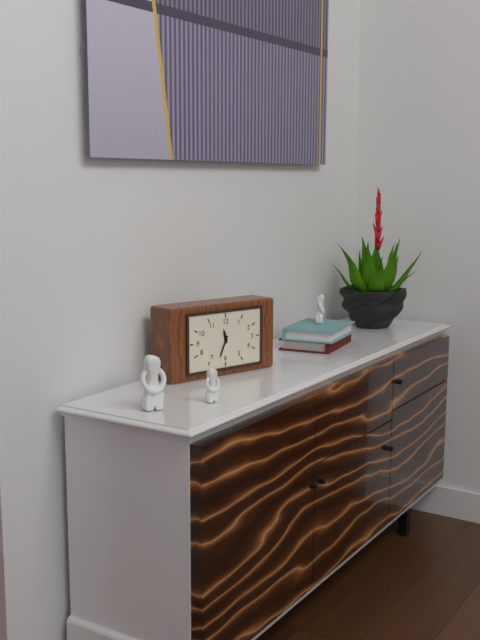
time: 11:34
